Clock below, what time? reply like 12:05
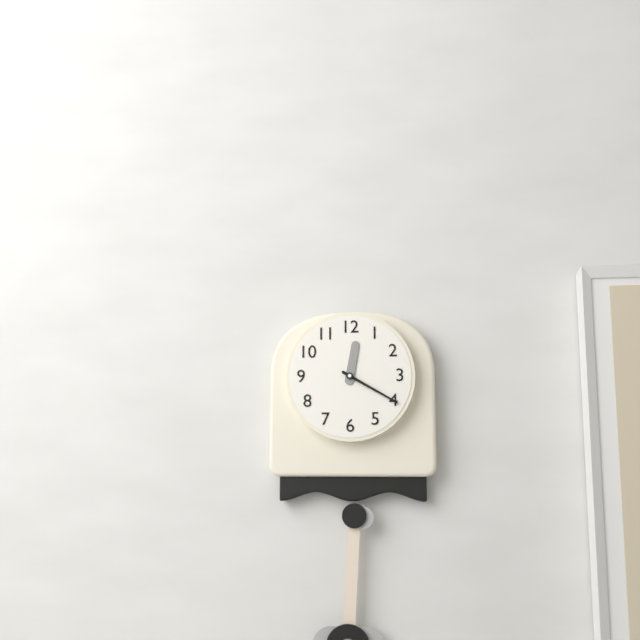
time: 12:20
